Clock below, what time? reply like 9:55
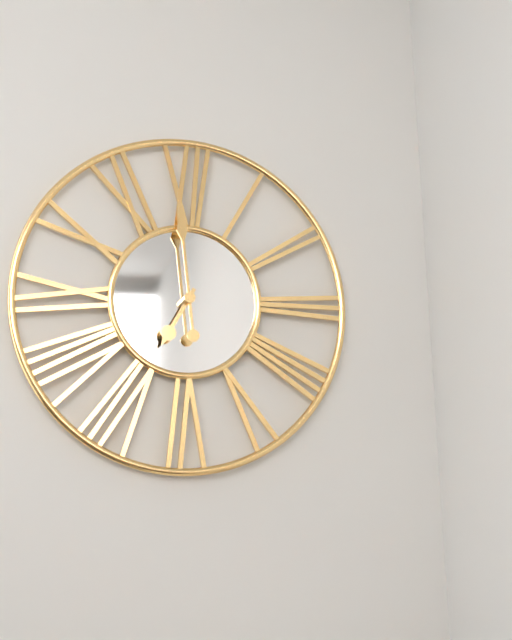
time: 6:59
